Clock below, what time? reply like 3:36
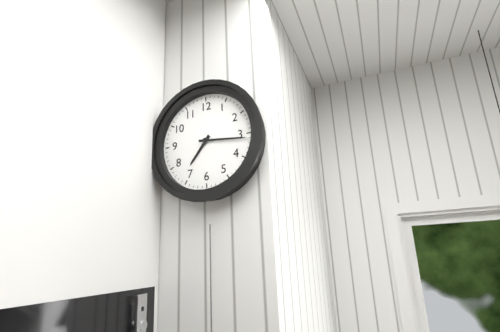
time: 7:16
